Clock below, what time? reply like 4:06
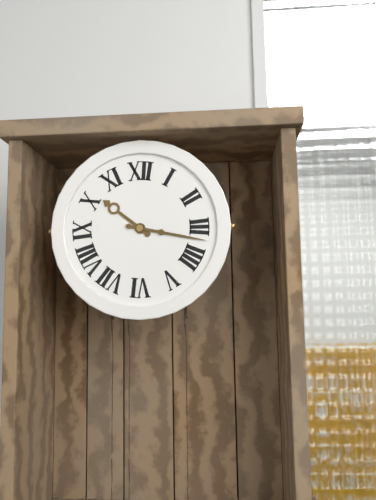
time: 10:17
